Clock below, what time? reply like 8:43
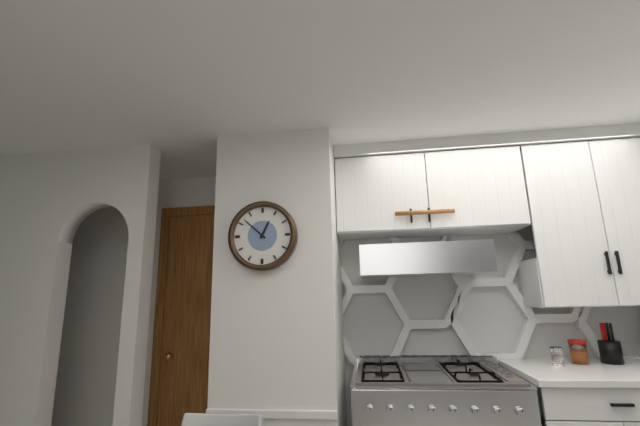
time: 12:52
